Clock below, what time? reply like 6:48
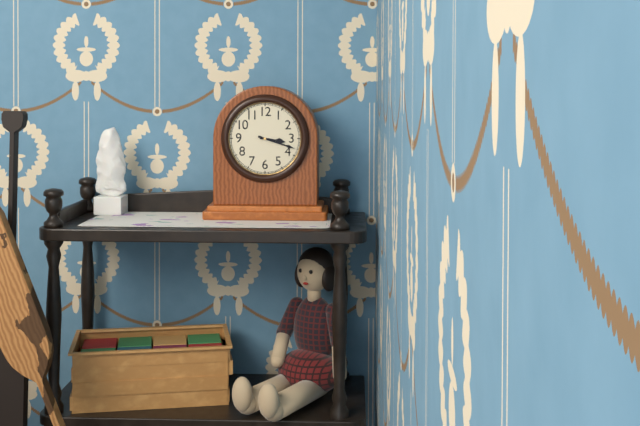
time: 3:18
